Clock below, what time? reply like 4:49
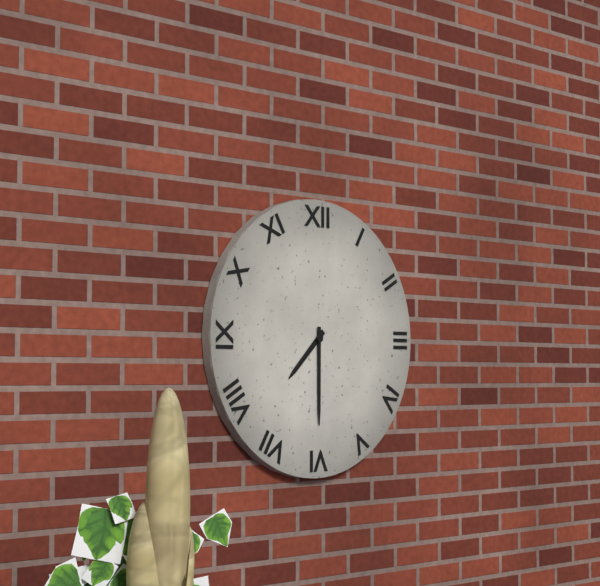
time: 7:30
